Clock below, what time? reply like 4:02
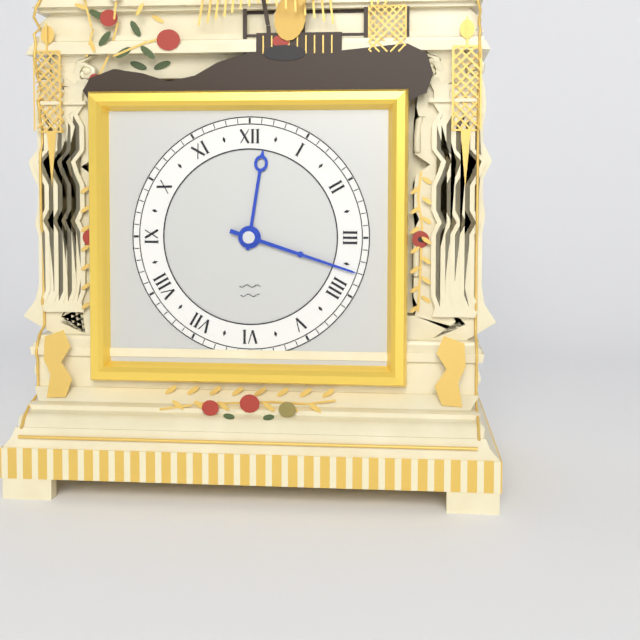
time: 12:18
